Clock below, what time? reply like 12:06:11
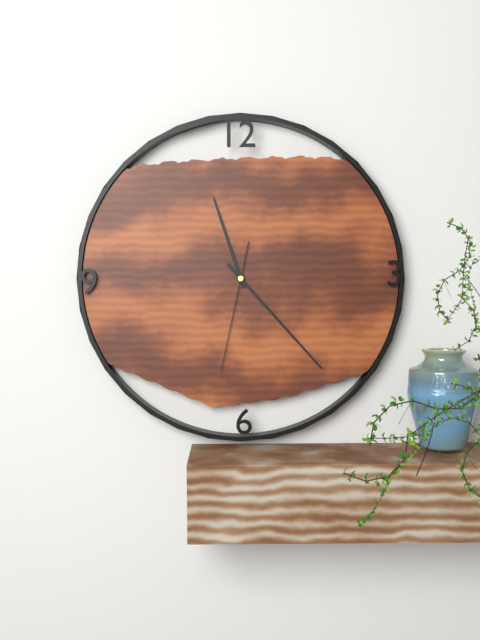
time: 11:23:32
